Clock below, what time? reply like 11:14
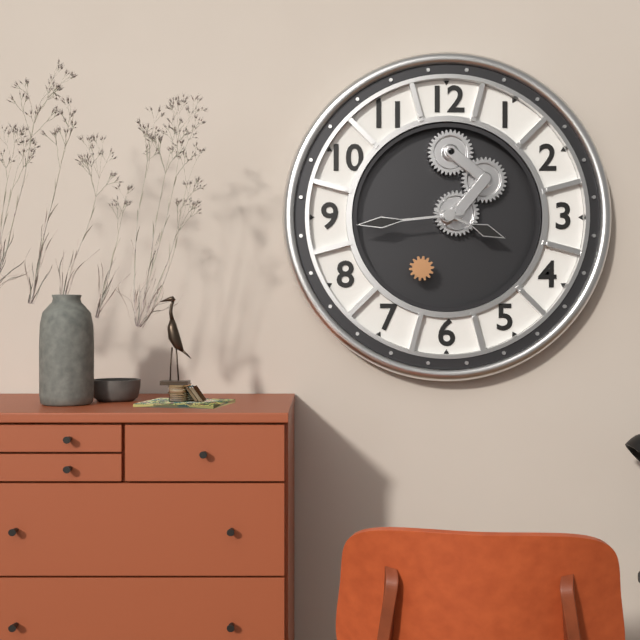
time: 3:44
